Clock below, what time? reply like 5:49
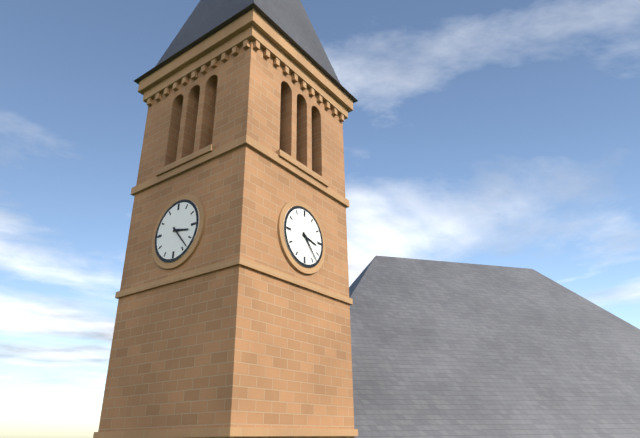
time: 3:23
